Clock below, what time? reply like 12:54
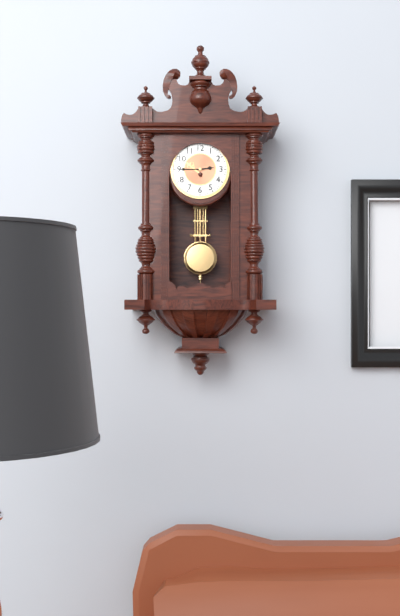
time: 2:45
